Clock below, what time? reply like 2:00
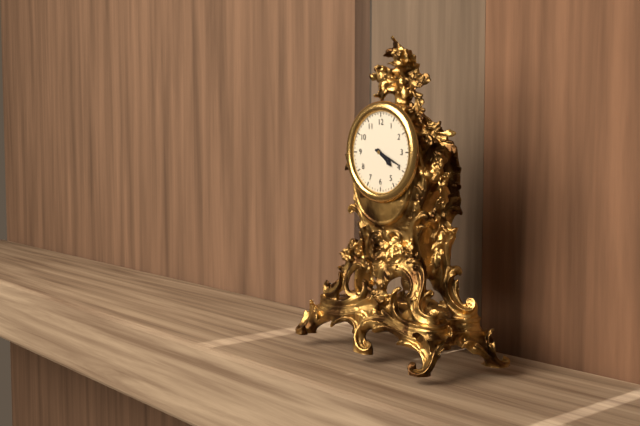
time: 4:19
